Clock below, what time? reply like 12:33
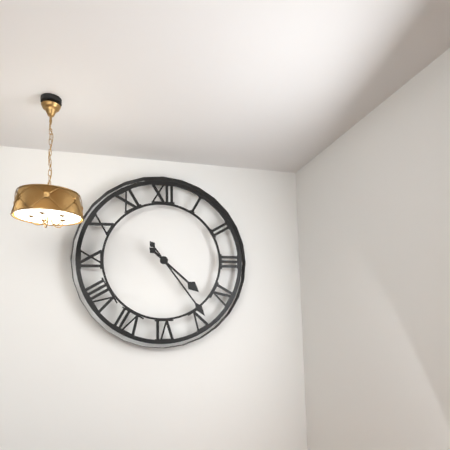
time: 4:24
